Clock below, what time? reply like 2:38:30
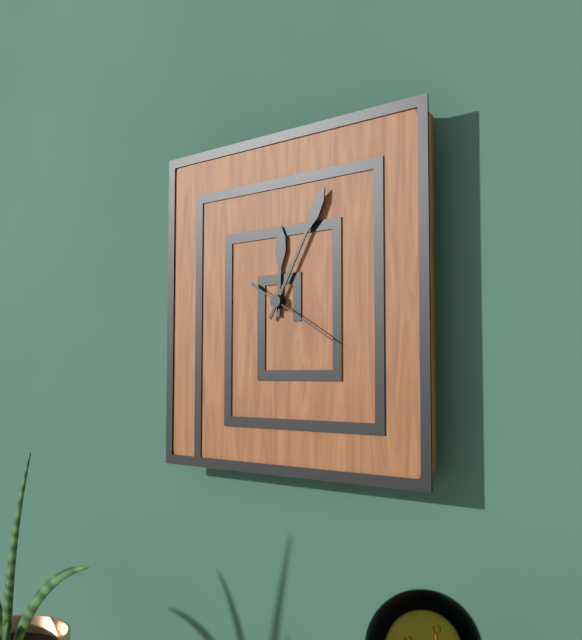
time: 12:05:20
